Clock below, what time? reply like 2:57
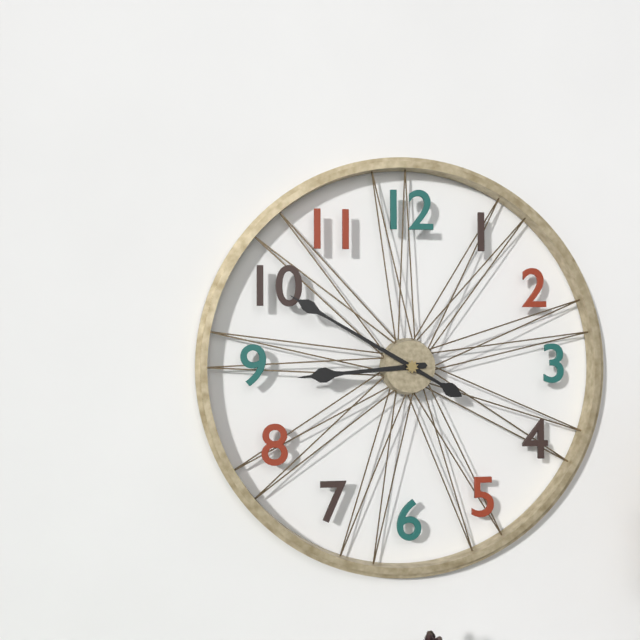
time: 8:50
